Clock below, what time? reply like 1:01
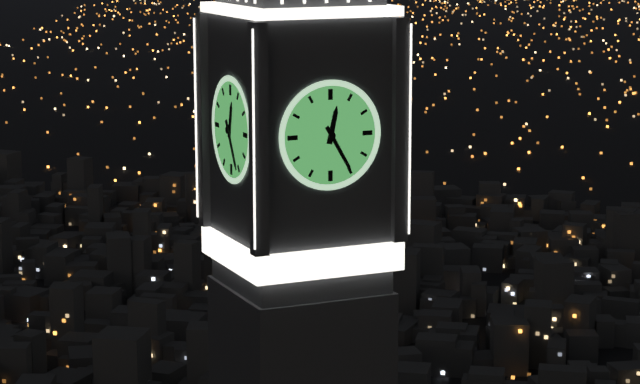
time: 12:25
